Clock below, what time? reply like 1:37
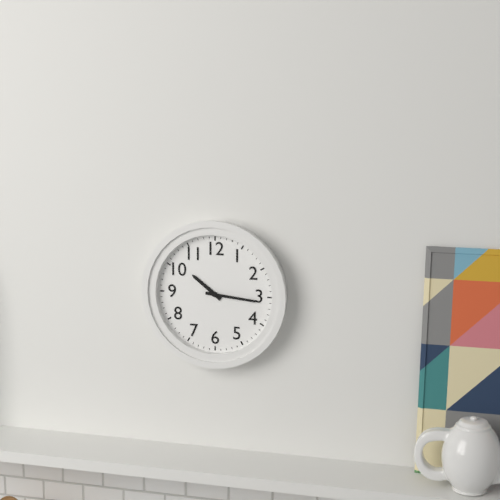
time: 10:16
